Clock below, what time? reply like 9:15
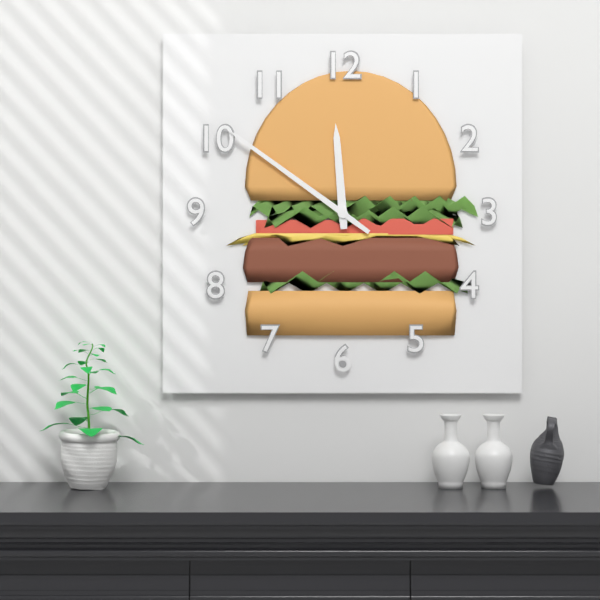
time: 11:51
